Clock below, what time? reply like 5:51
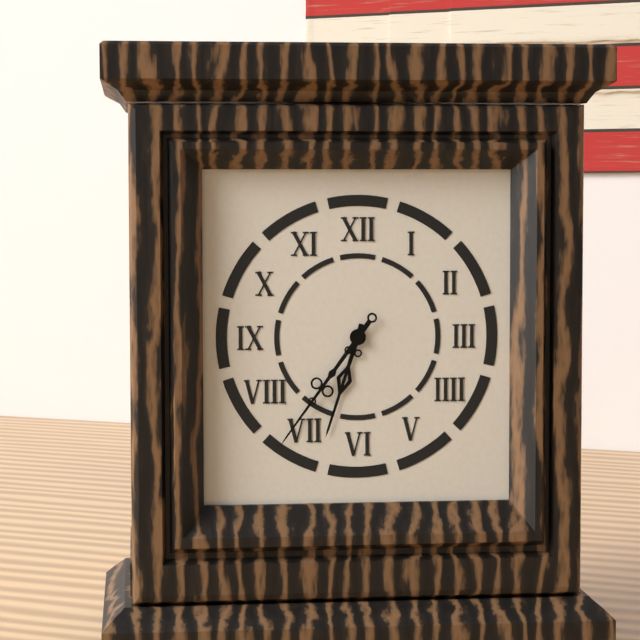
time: 6:36
